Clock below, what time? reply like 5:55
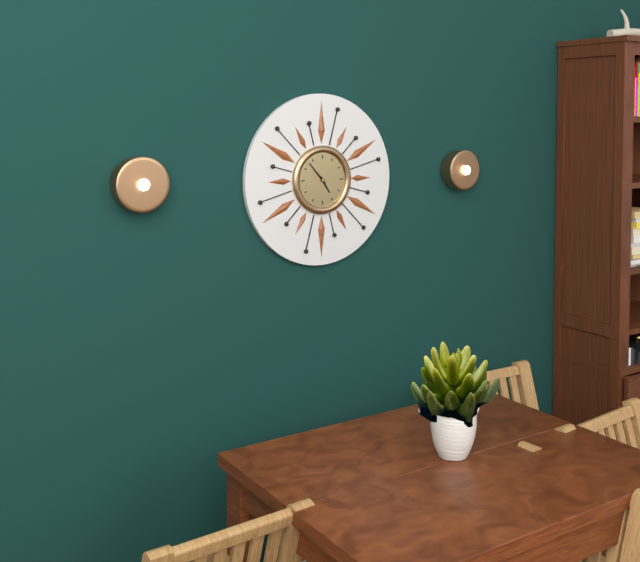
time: 4:53
